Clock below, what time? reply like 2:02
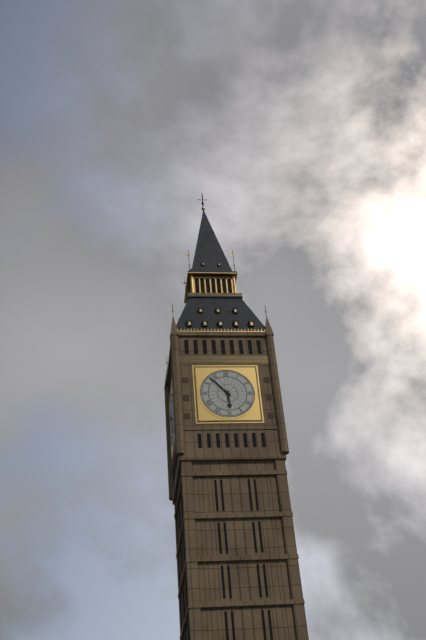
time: 5:53
